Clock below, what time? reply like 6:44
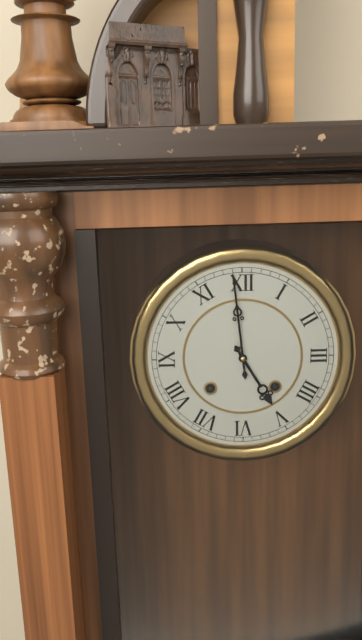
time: 4:59
